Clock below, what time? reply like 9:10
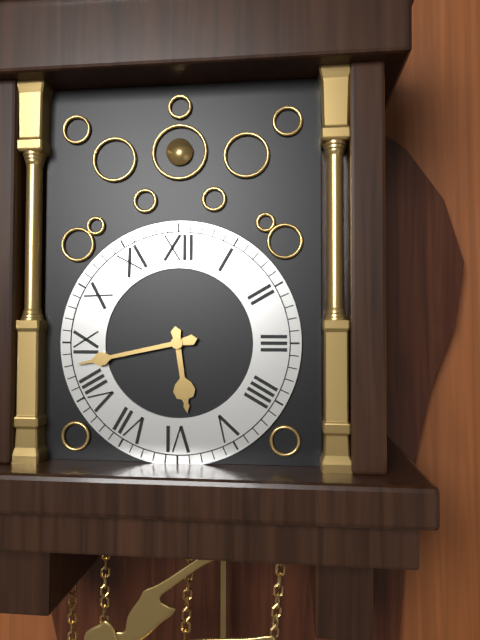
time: 5:43
